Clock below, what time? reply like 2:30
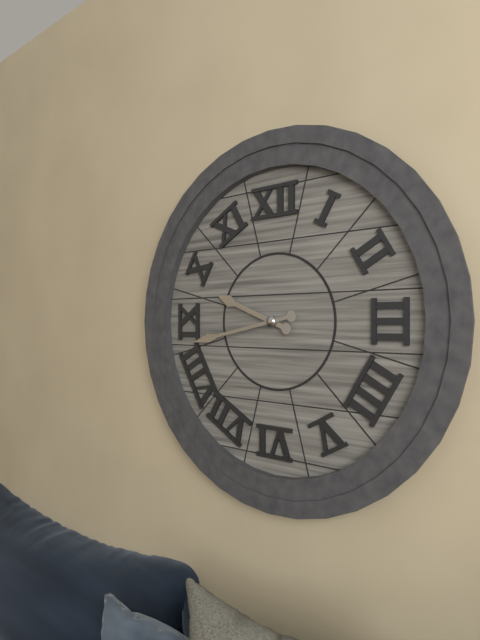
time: 9:43
